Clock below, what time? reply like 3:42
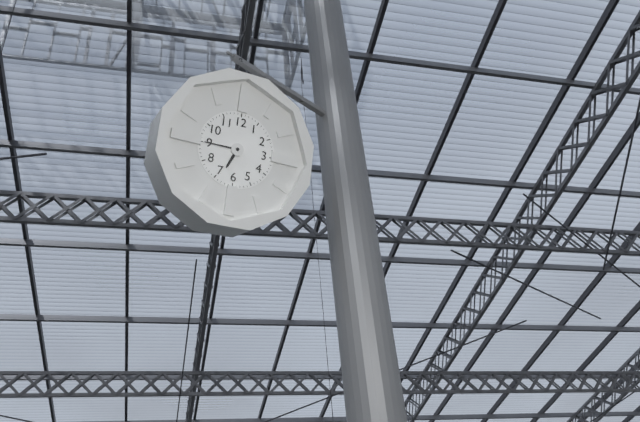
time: 6:45
